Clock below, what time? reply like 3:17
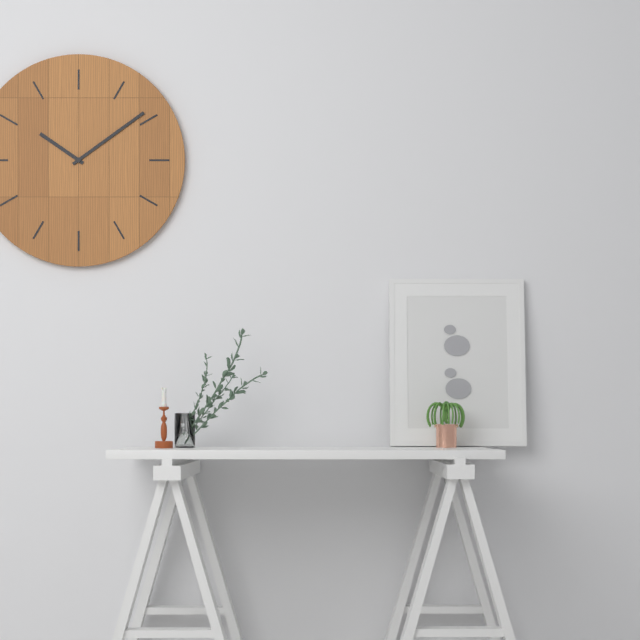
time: 10:09
